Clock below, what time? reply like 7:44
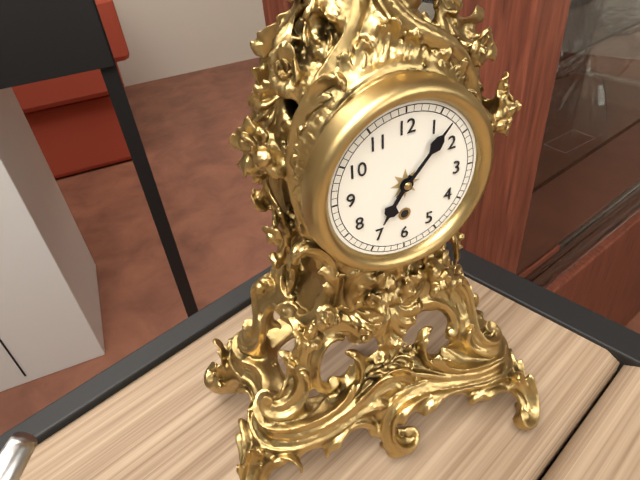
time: 7:07
